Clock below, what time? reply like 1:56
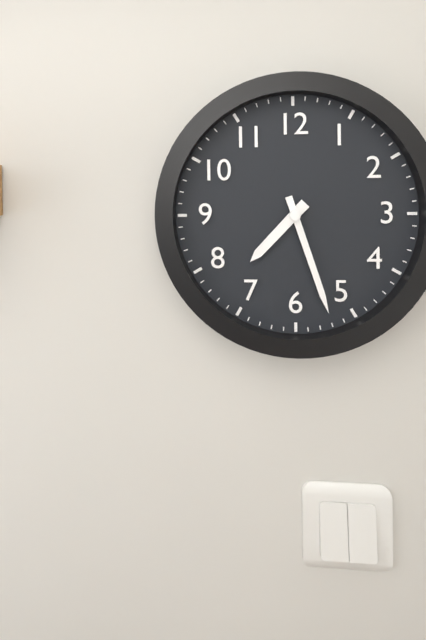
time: 7:27
